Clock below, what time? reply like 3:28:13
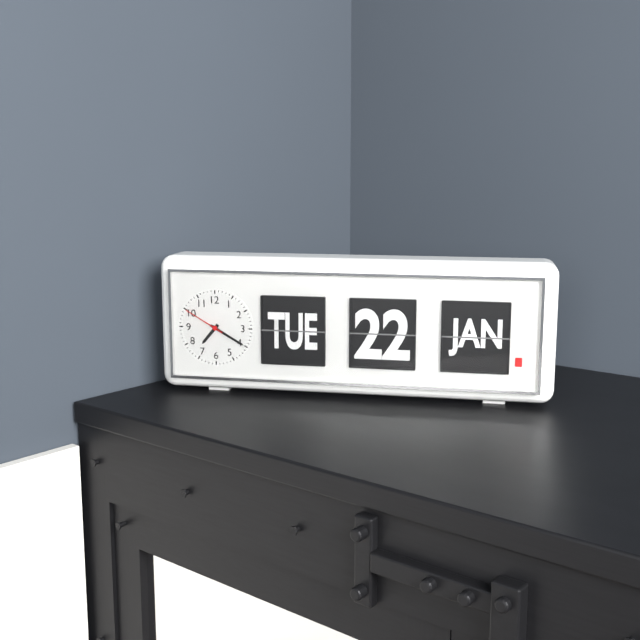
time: 7:20:50
